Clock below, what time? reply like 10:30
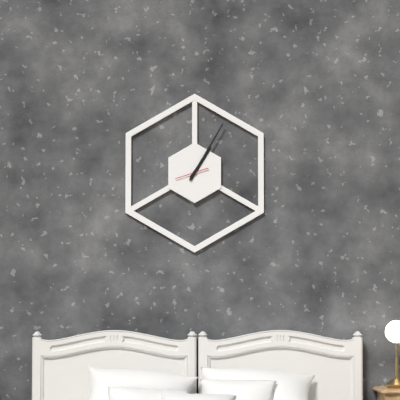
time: 1:05
